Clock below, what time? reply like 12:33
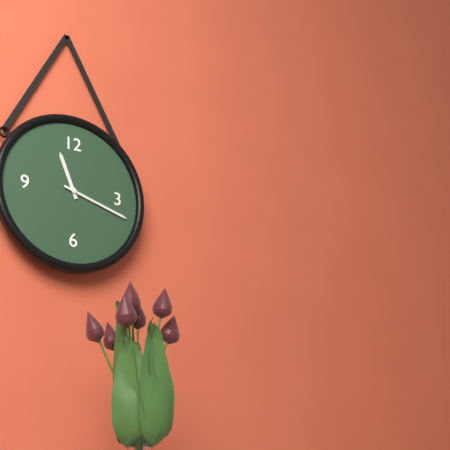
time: 11:18
